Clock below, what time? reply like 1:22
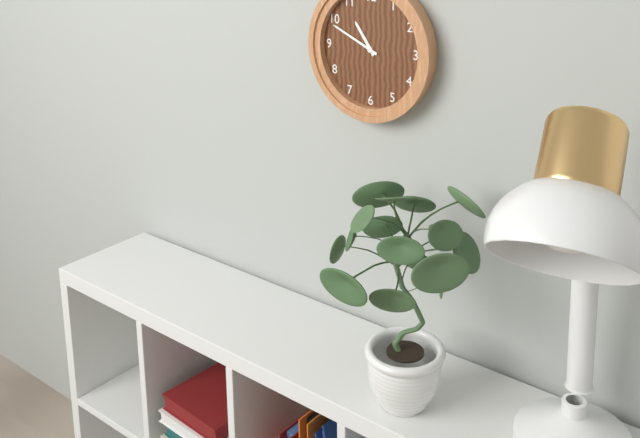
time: 10:49
